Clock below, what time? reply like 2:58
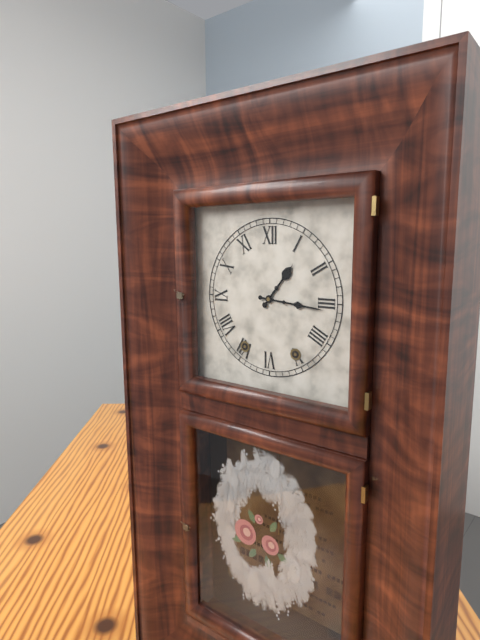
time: 1:16
